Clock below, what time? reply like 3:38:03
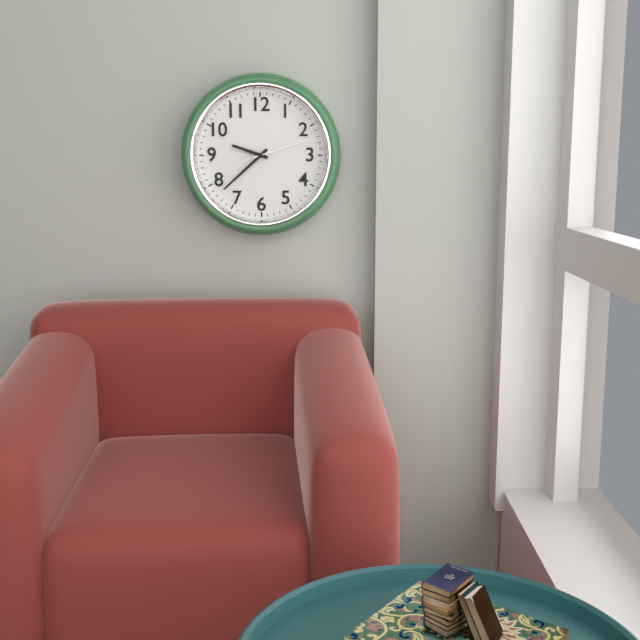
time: 9:38:12
